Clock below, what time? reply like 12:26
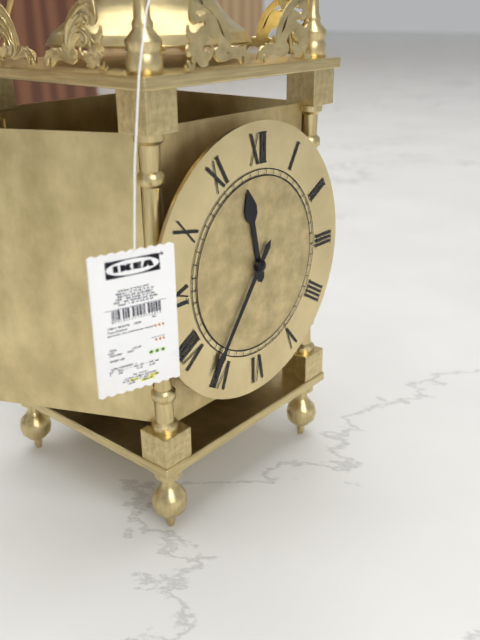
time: 11:36
